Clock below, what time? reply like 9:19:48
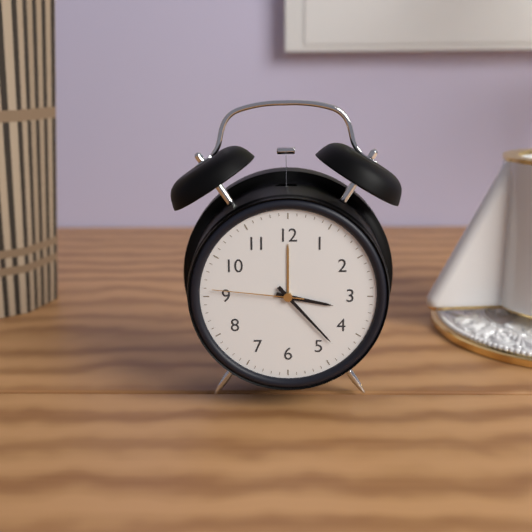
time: 3:23:46
